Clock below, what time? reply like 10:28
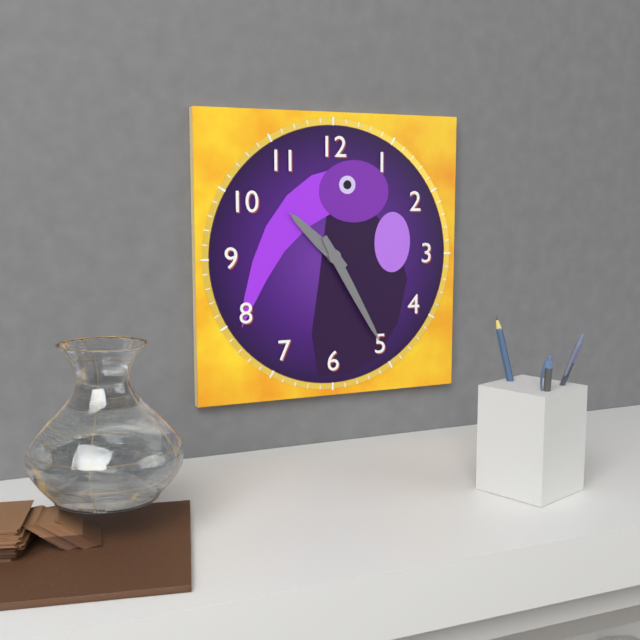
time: 10:25
